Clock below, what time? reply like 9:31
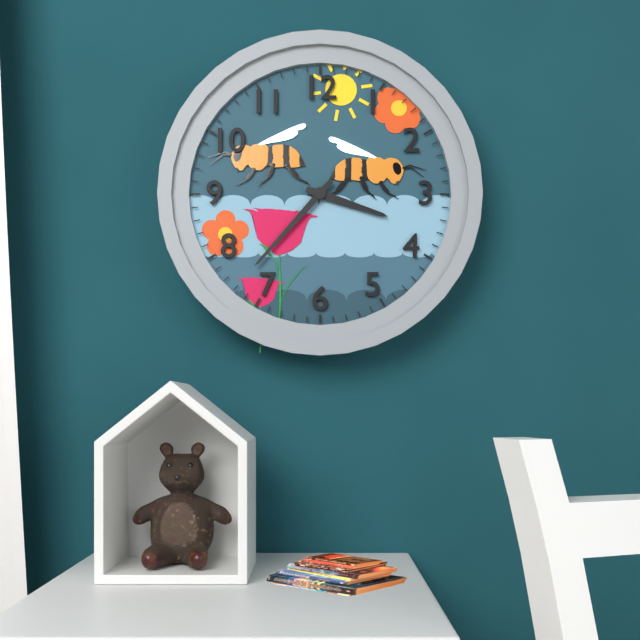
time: 3:37
